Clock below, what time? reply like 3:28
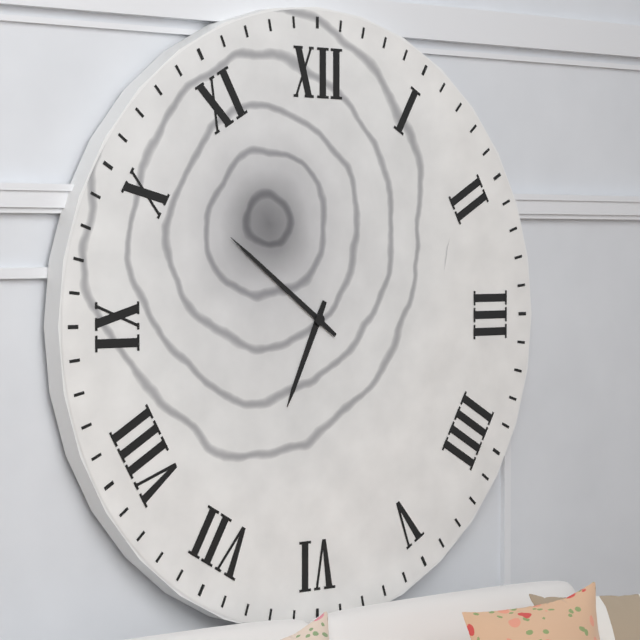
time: 6:51
